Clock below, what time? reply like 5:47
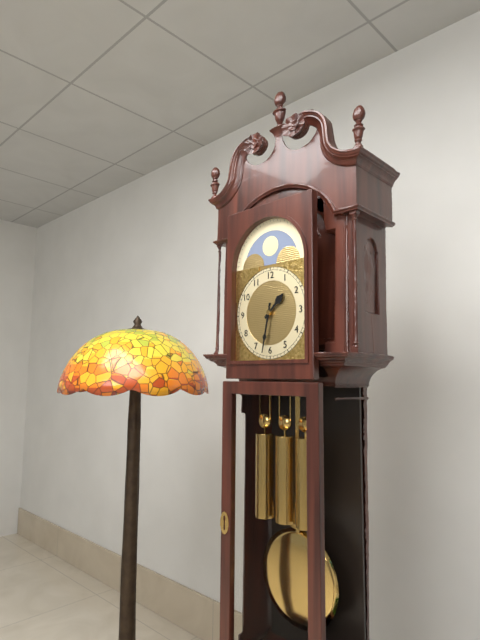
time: 1:32
